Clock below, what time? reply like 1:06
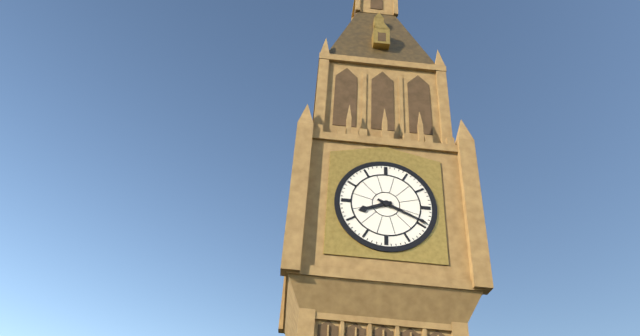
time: 8:19
